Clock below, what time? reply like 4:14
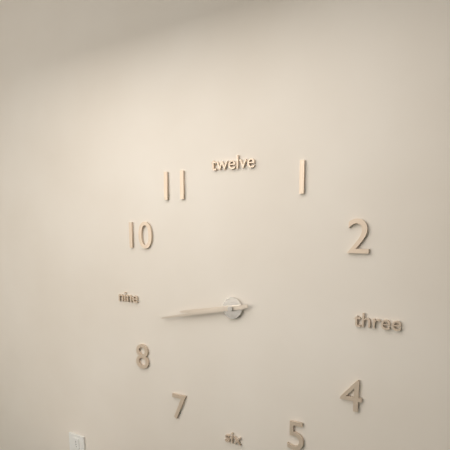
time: 8:43
